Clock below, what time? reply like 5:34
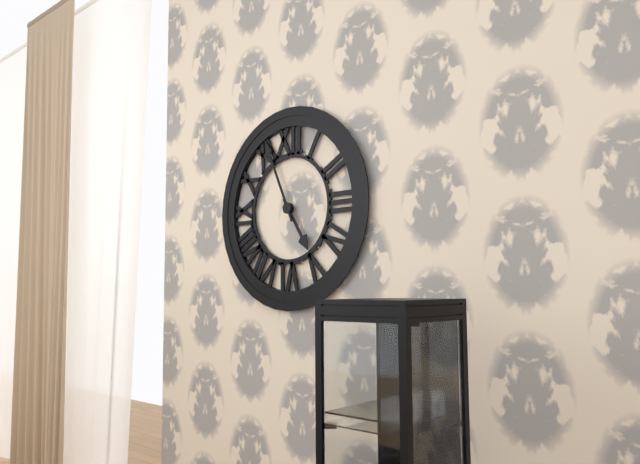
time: 4:56
